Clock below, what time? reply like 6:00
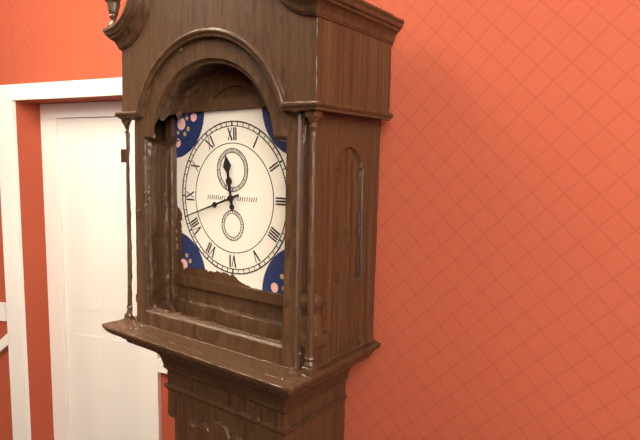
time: 11:42
